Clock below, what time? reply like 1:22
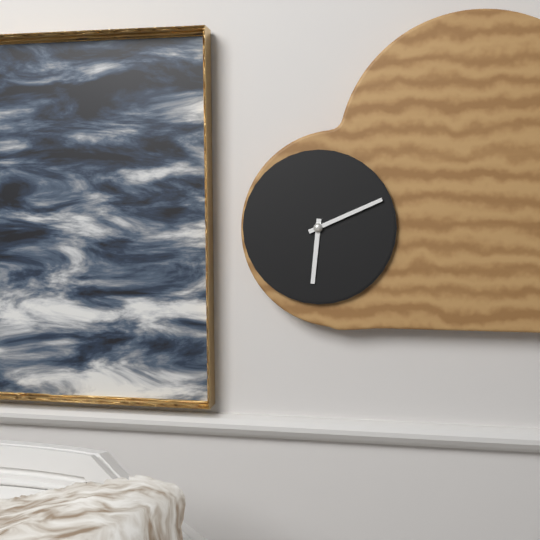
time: 6:11
